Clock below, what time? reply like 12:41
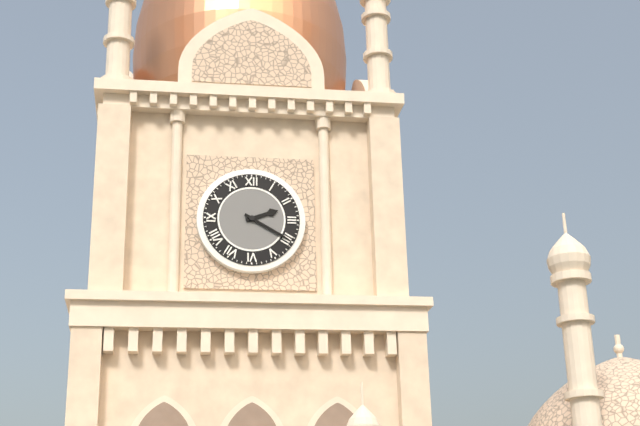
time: 2:20
